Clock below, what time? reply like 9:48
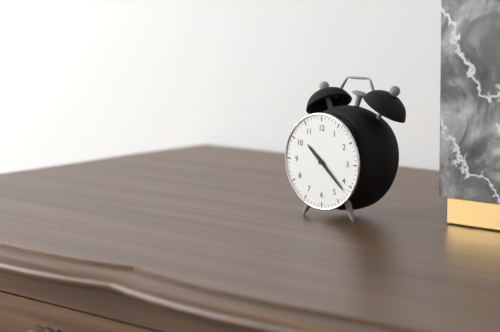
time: 10:22
